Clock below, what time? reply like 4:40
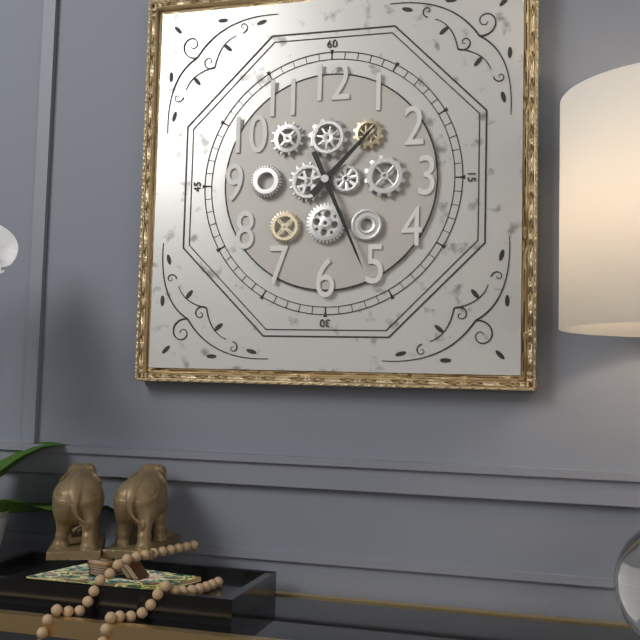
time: 1:26
